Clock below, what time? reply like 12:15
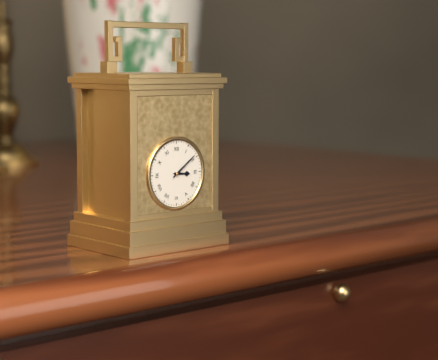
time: 3:09
